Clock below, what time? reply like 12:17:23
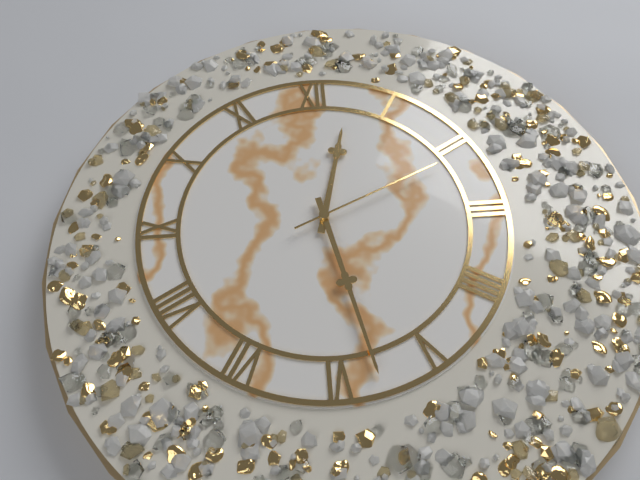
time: 12:28:11
